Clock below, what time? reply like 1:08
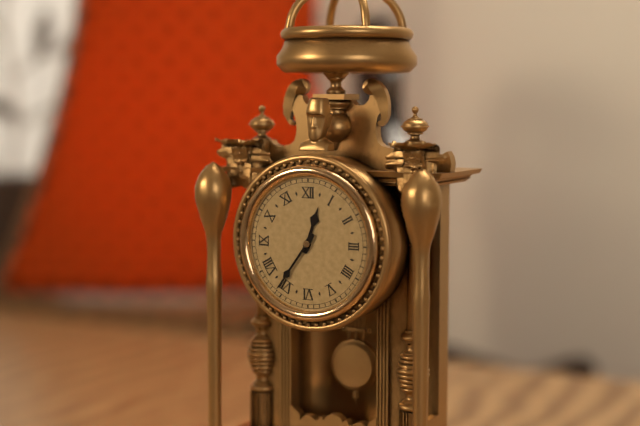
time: 12:36
